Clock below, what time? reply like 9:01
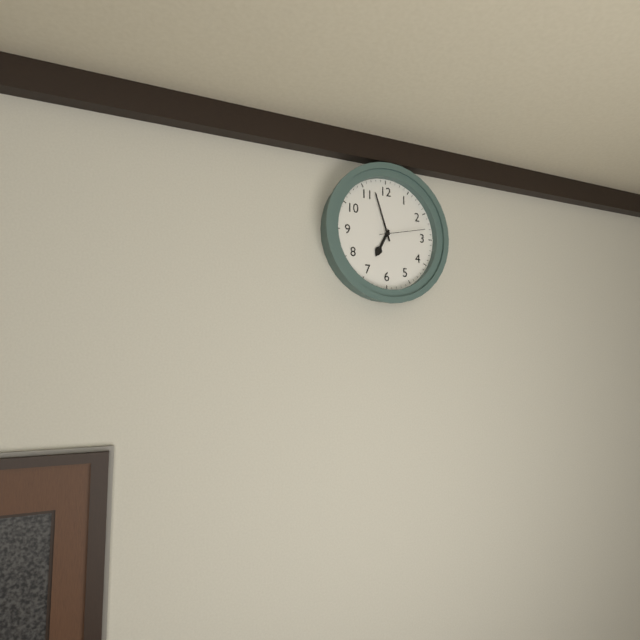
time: 6:57
